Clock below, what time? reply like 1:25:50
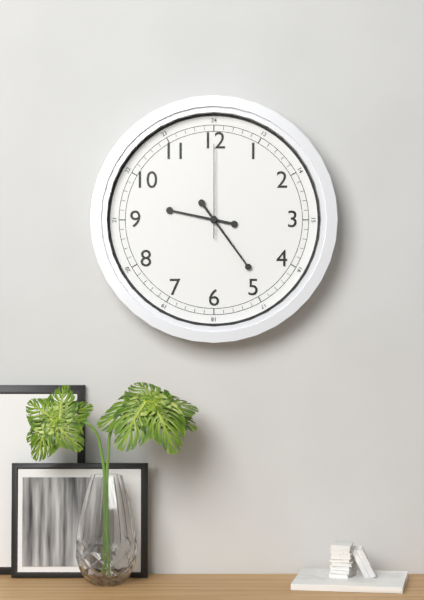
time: 9:24:00
